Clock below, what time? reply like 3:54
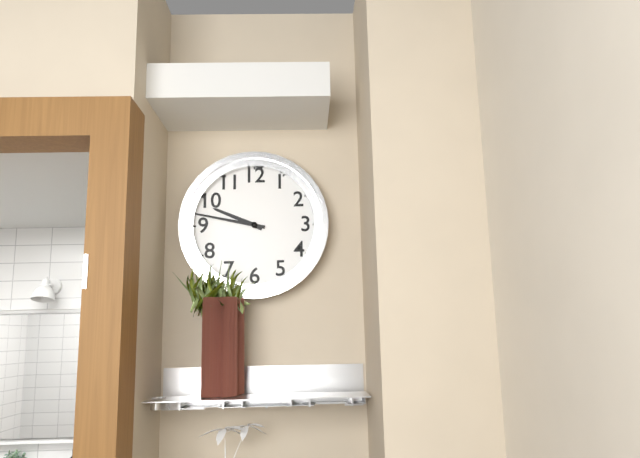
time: 9:47
